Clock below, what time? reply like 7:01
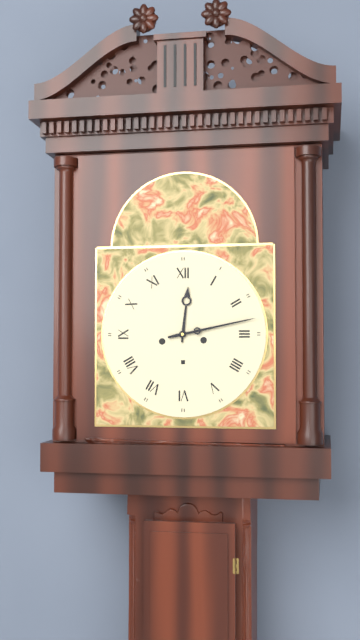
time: 12:13
